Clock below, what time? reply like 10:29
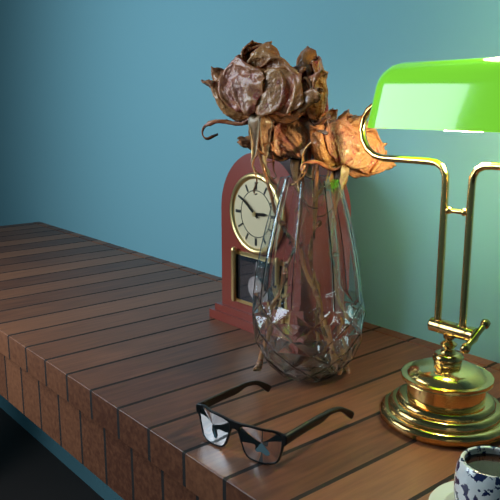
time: 2:51
